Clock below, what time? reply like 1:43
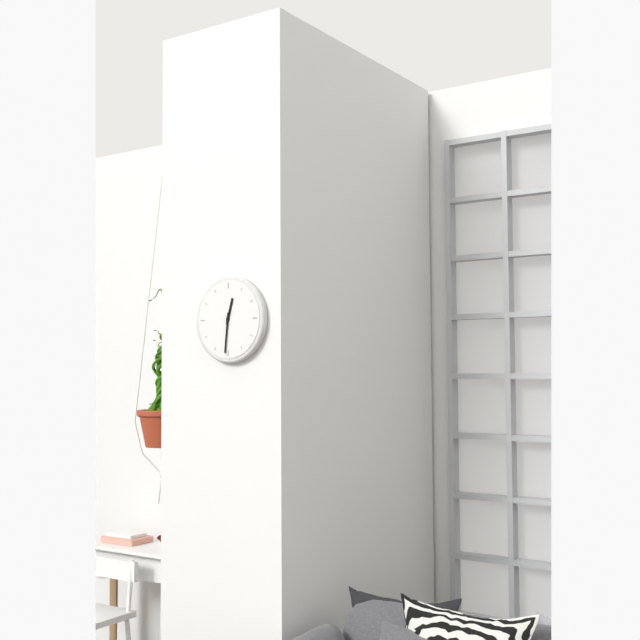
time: 12:31
